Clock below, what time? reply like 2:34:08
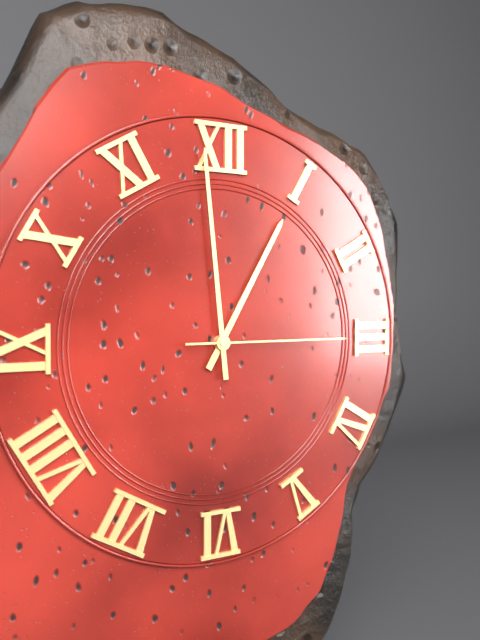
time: 12:59:15
